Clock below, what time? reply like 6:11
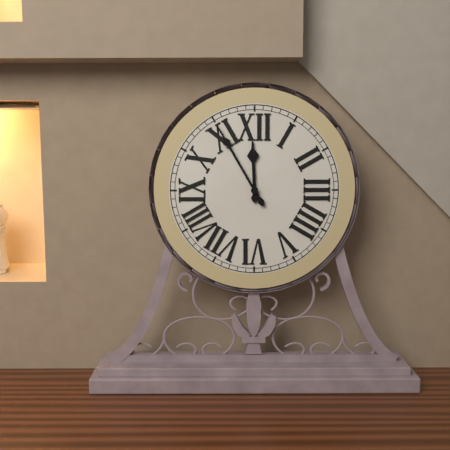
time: 11:55
